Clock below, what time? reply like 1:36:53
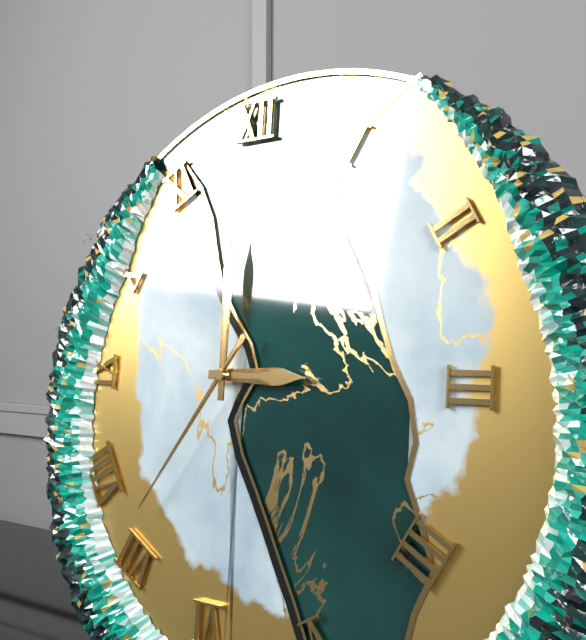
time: 3:00:36
